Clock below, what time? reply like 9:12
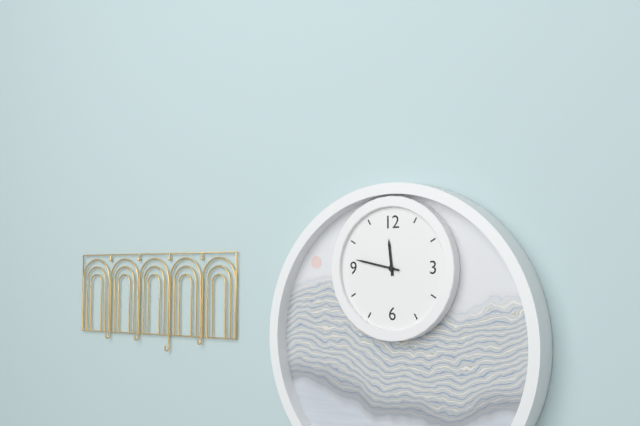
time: 11:47
